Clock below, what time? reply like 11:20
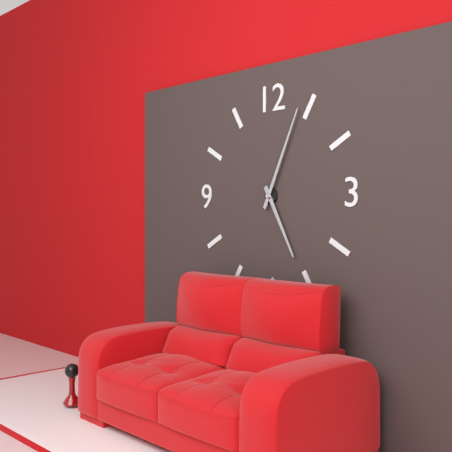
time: 5:04
